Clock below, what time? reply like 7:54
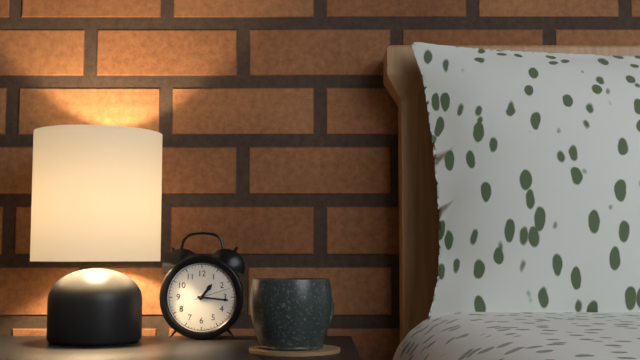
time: 1:16
